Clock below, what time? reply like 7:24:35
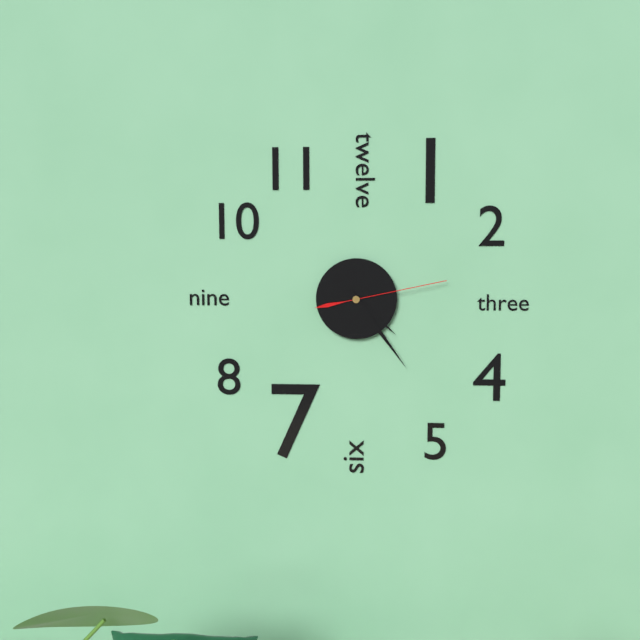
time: 4:24:13
